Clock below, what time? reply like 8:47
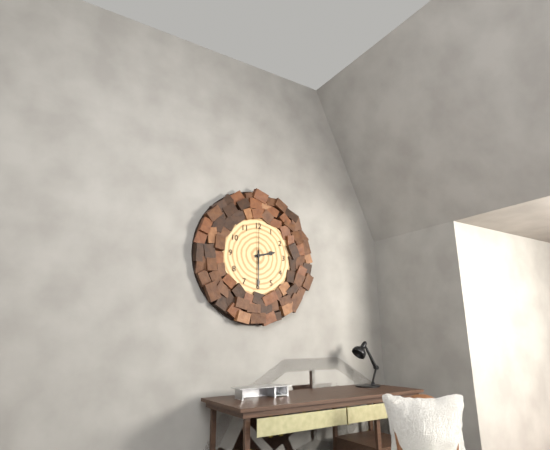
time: 2:30
